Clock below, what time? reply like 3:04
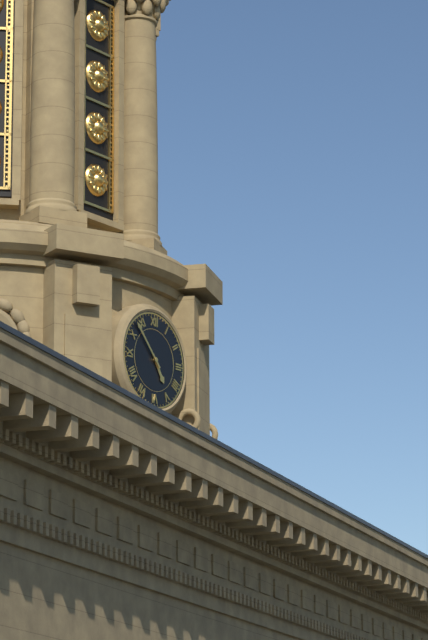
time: 4:53
